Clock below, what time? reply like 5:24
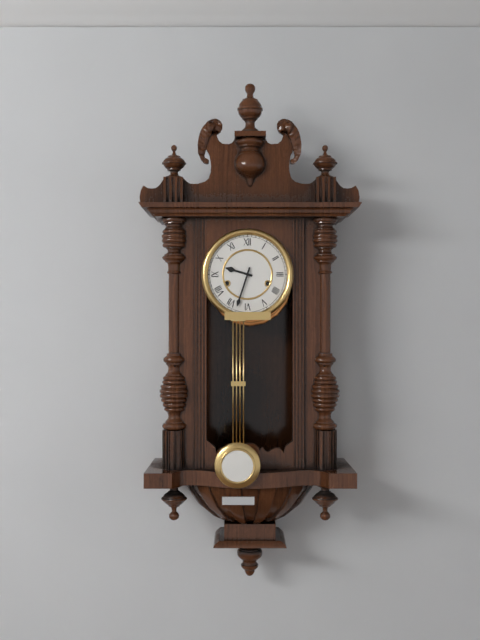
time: 9:33
